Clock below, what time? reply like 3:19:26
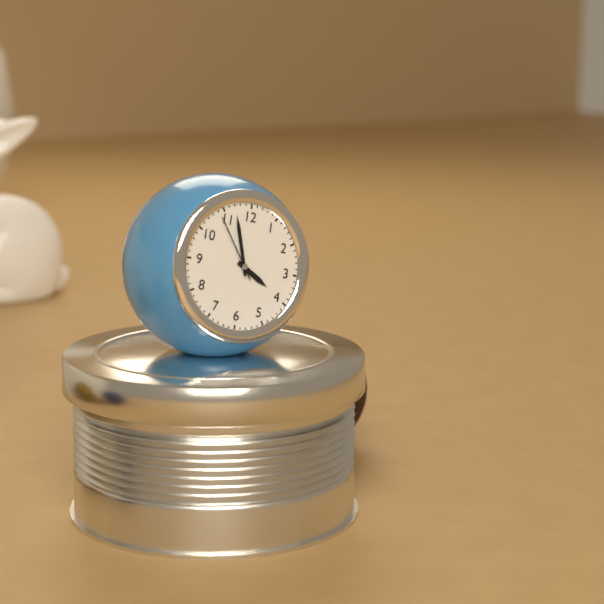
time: 3:57:54
